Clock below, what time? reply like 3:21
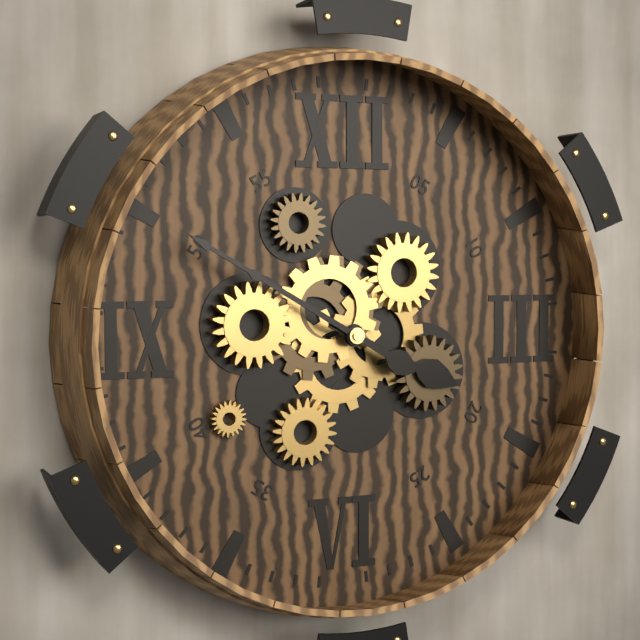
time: 3:50
